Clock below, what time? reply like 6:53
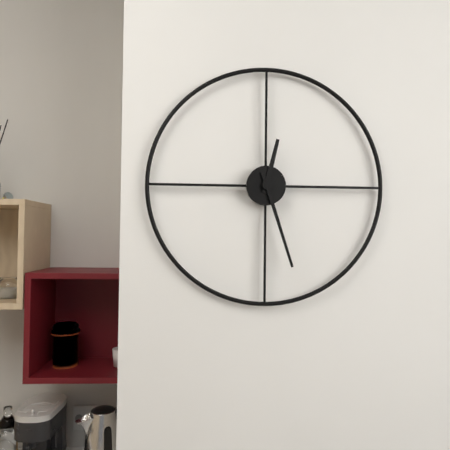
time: 12:27
